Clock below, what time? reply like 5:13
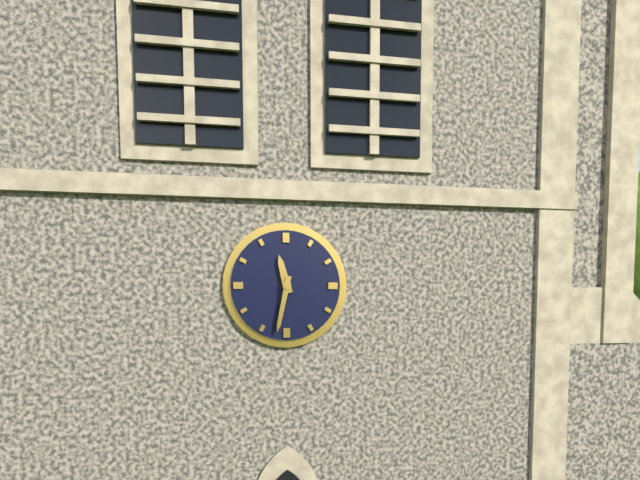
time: 11:32
